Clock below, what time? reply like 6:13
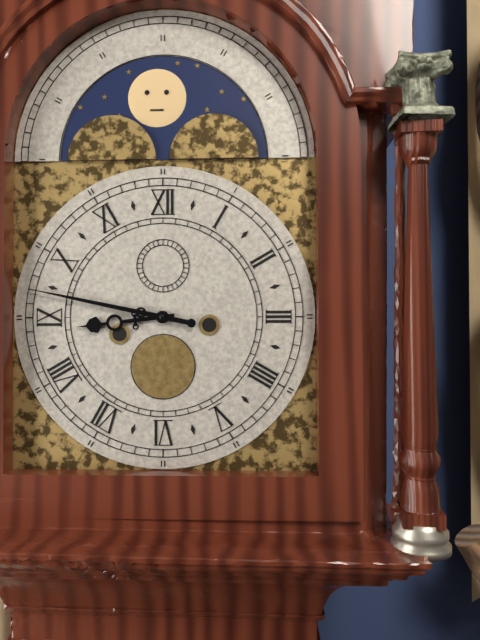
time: 8:47
